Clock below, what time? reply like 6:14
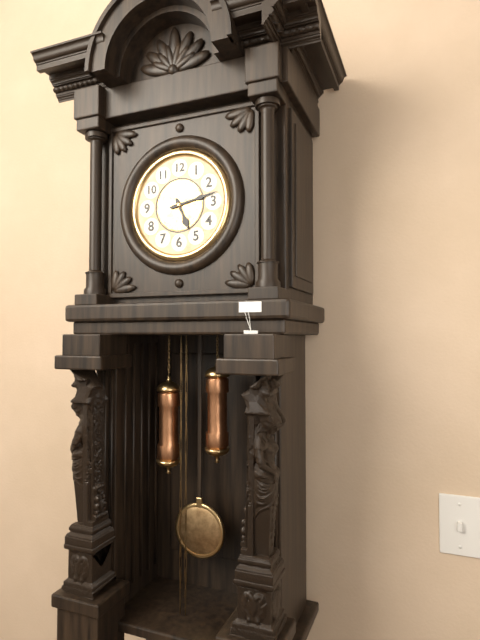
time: 5:13
